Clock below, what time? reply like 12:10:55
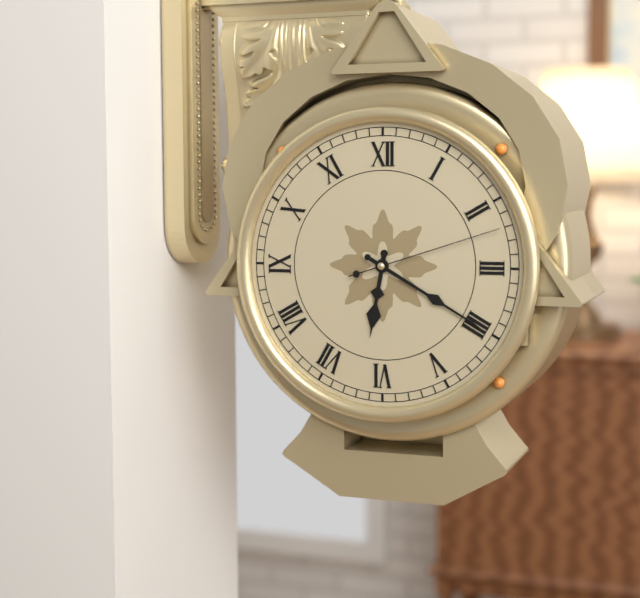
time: 6:20:12
